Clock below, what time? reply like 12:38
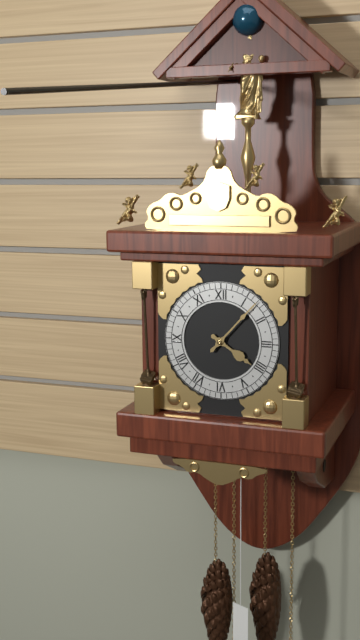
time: 4:07
